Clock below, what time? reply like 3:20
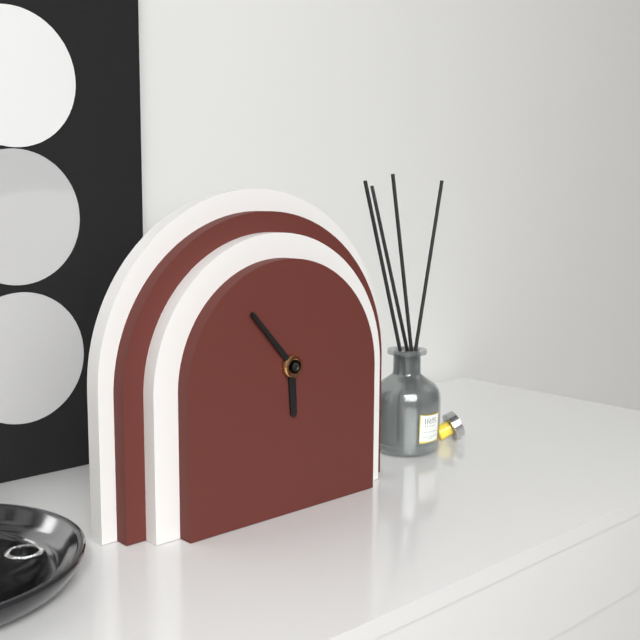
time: 5:53
